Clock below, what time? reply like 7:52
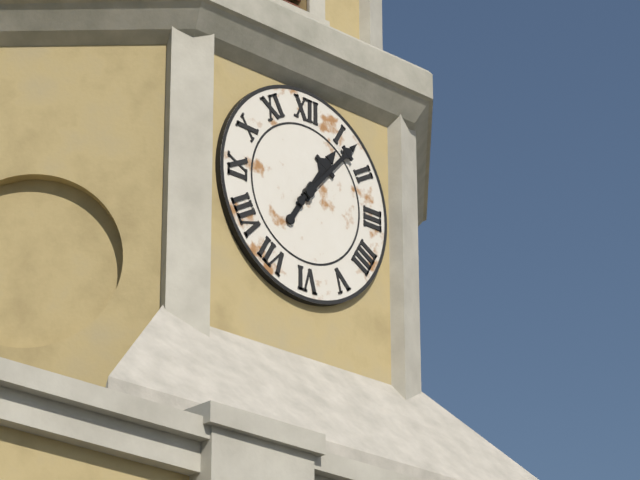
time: 1:07
